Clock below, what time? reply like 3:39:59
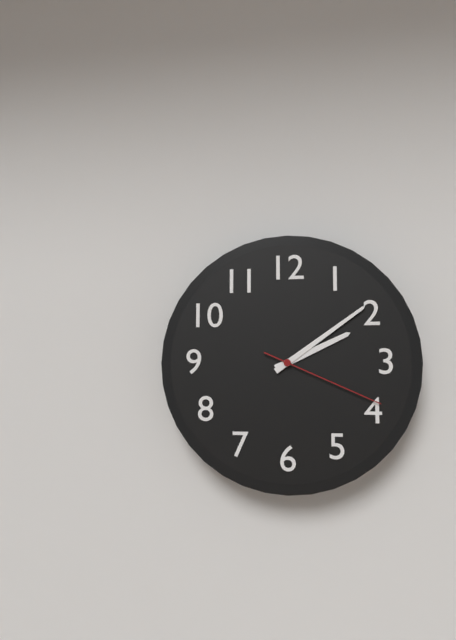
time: 2:09:19
